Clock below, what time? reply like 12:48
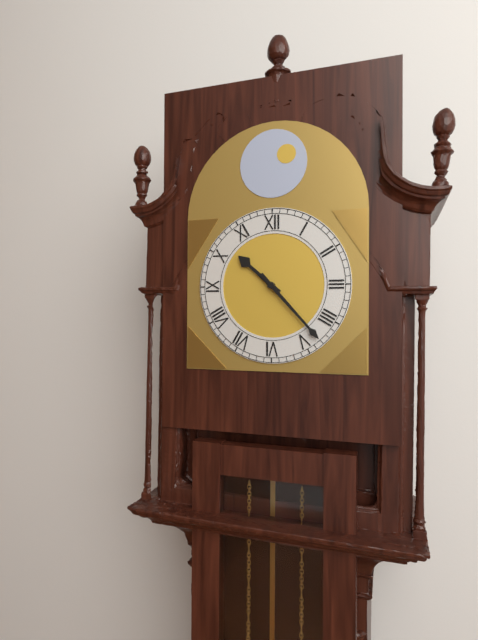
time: 10:23
